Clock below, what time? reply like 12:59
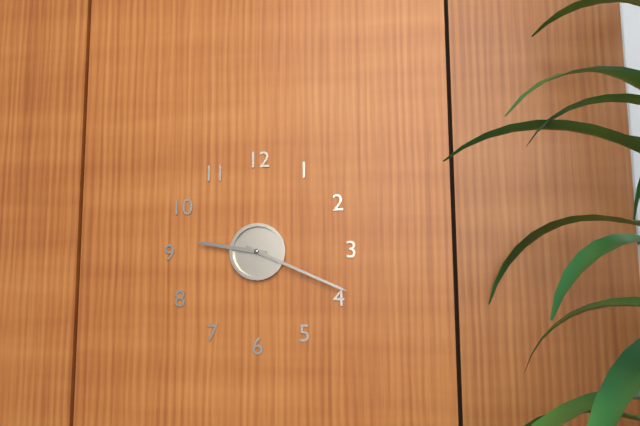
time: 9:19
